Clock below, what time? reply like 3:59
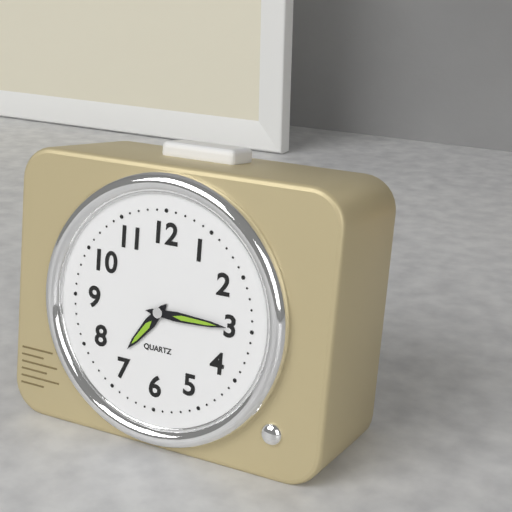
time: 7:15
